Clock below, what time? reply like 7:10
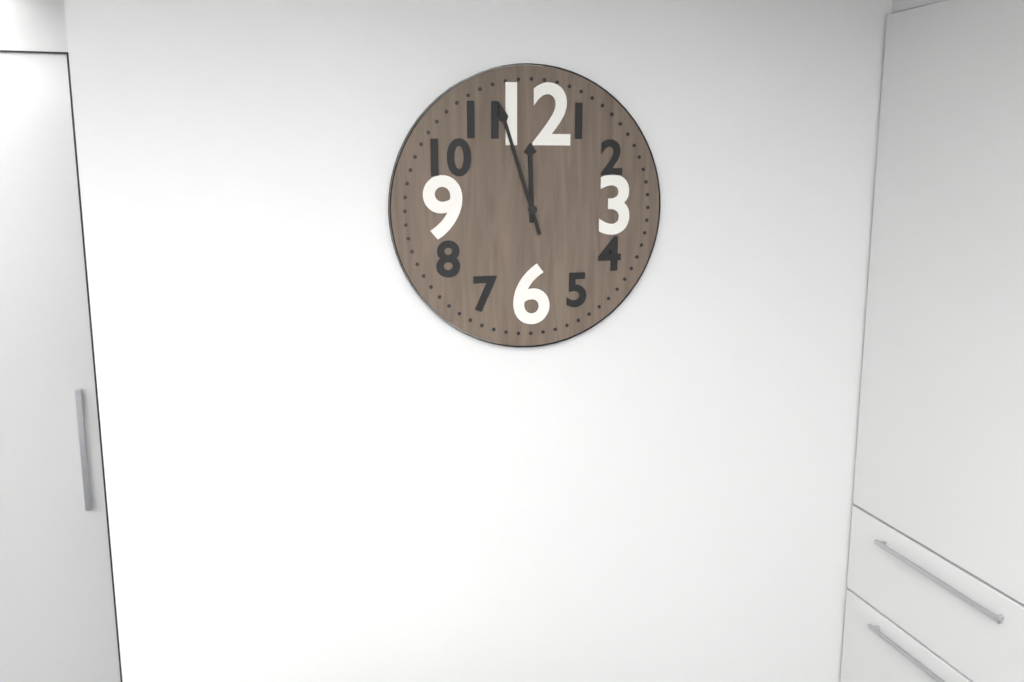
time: 11:57
